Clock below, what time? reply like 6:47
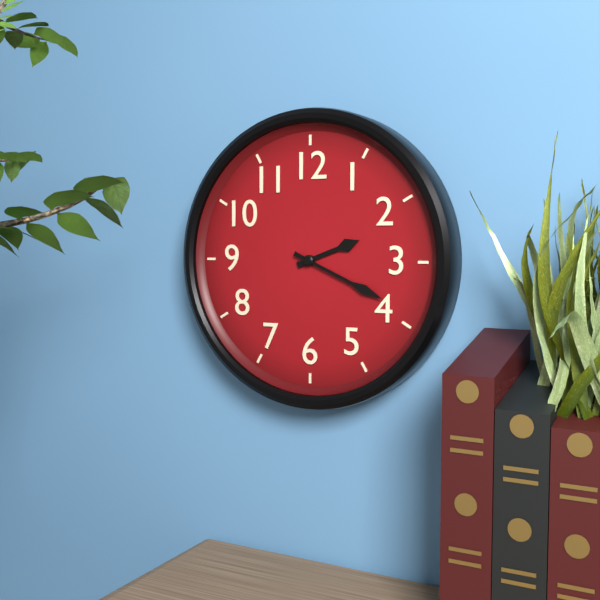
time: 2:19
